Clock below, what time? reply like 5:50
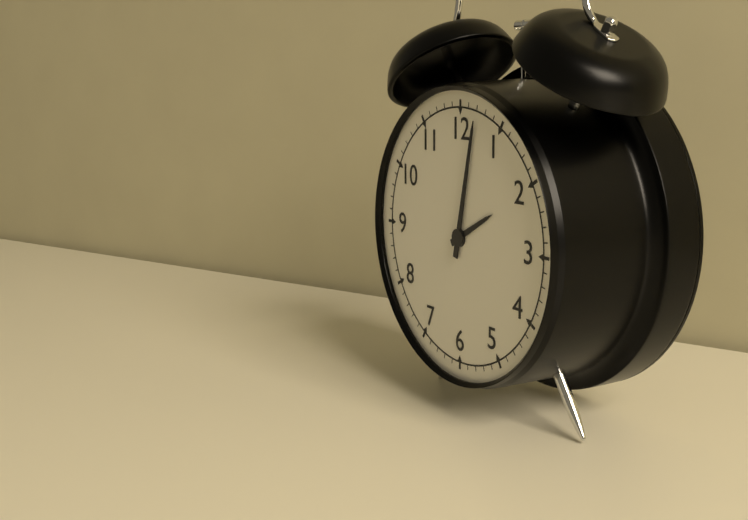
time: 2:02
